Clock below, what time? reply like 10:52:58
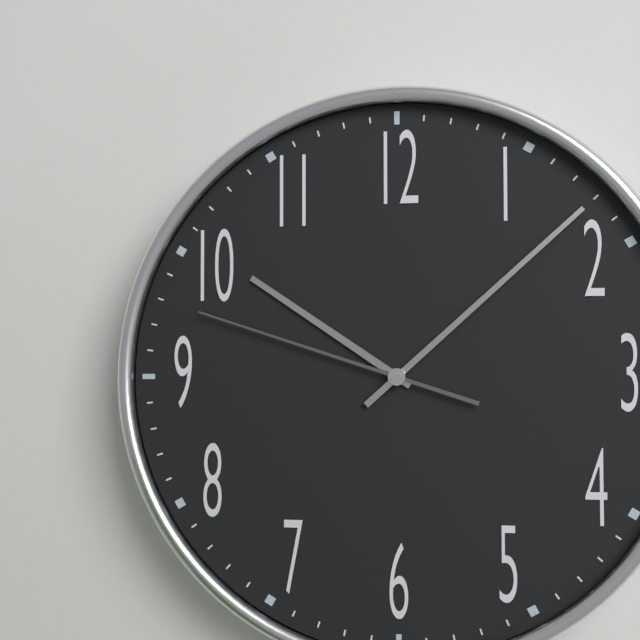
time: 10:08:48
